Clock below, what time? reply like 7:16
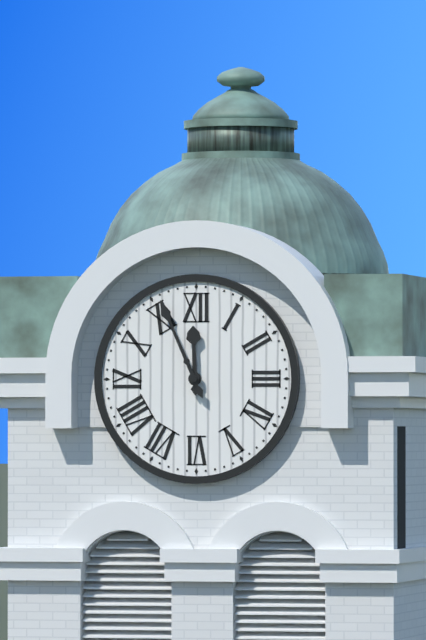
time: 11:56
